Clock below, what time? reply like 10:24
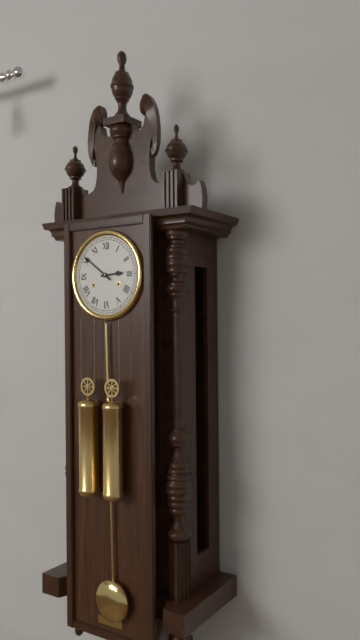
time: 2:51
